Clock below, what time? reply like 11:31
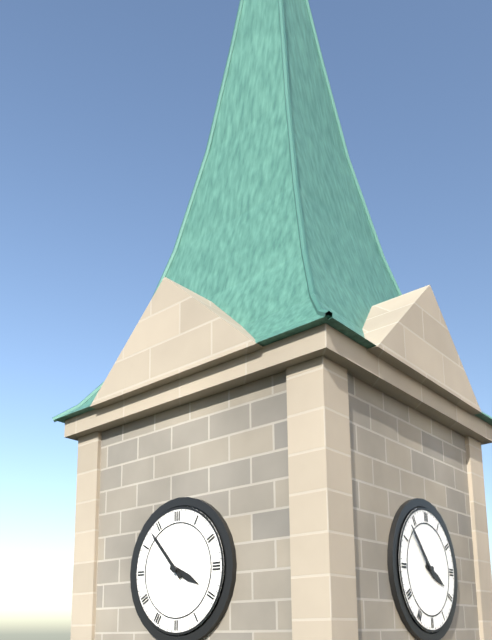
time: 3:53
